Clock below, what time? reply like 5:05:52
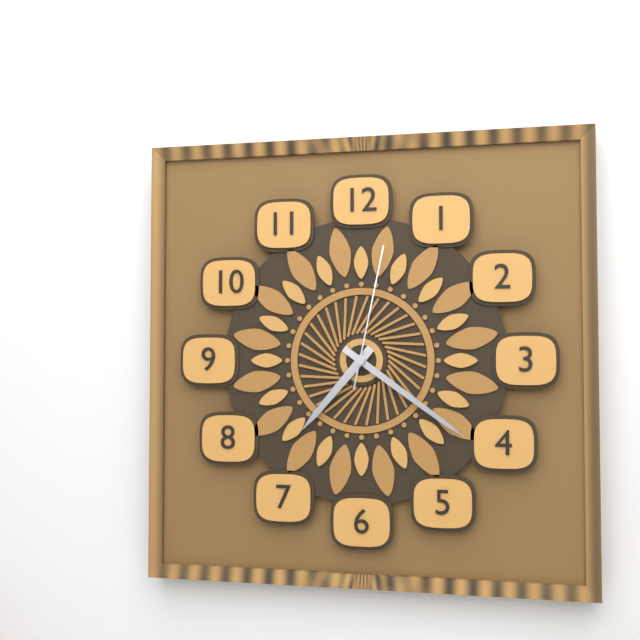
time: 7:21:02
